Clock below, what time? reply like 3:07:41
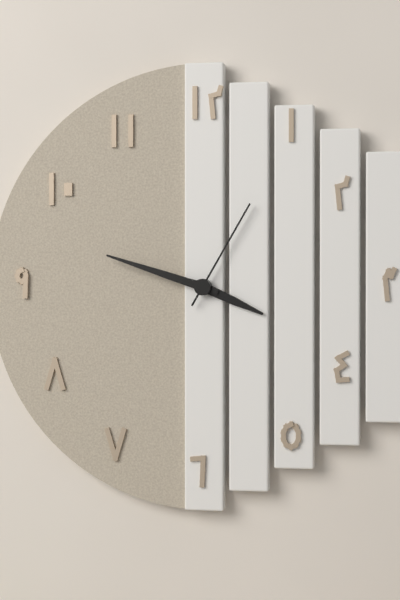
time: 3:48:05
